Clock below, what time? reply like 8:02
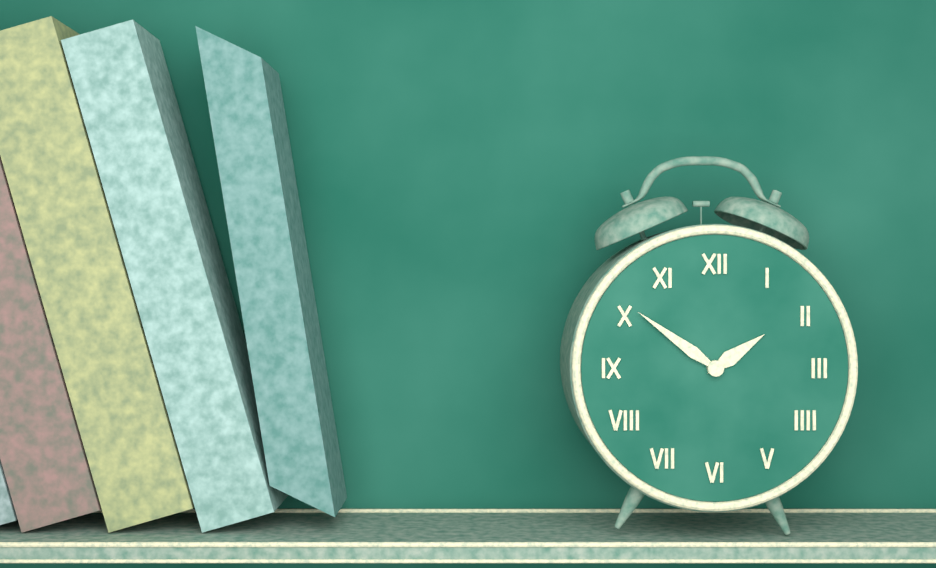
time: 1:51
